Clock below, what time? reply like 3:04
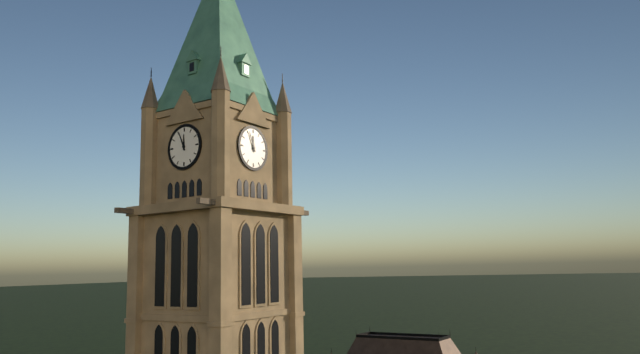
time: 11:56
